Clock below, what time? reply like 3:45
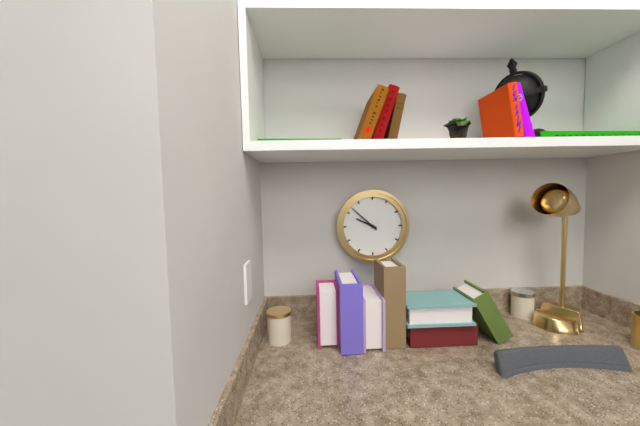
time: 9:52
